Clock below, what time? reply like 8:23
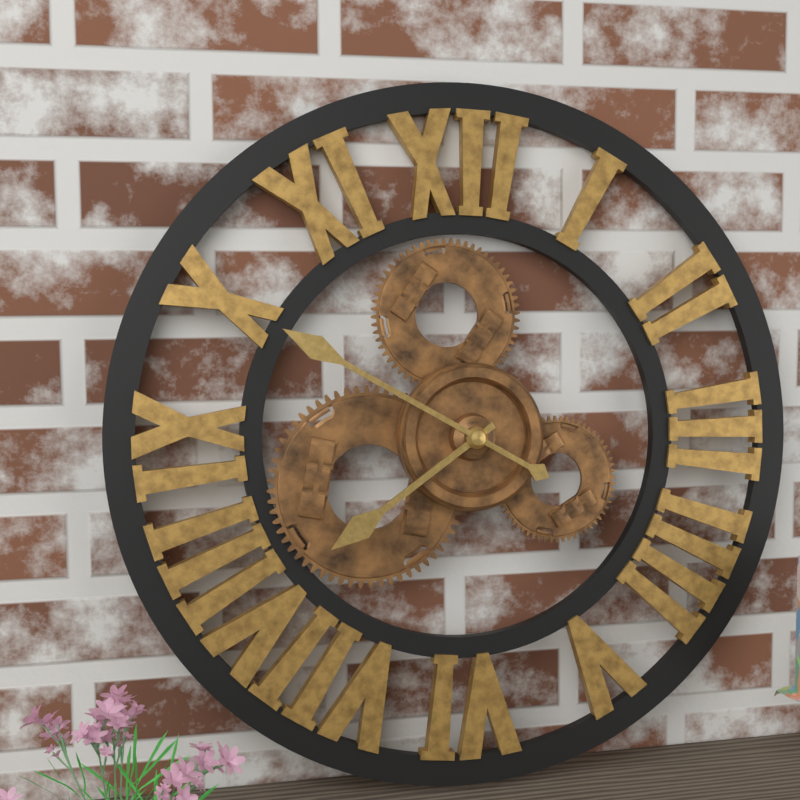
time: 7:50
